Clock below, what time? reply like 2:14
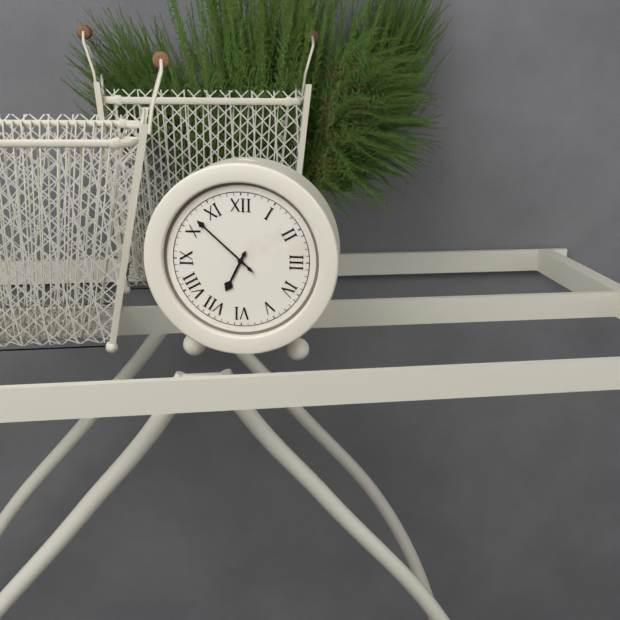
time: 6:52
